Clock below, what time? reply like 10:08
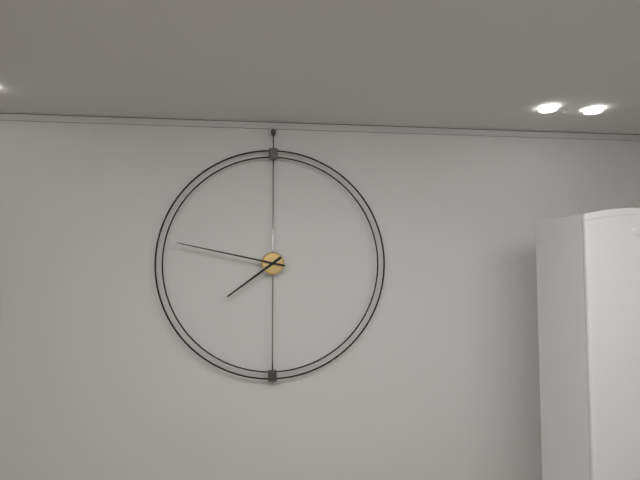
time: 7:47
